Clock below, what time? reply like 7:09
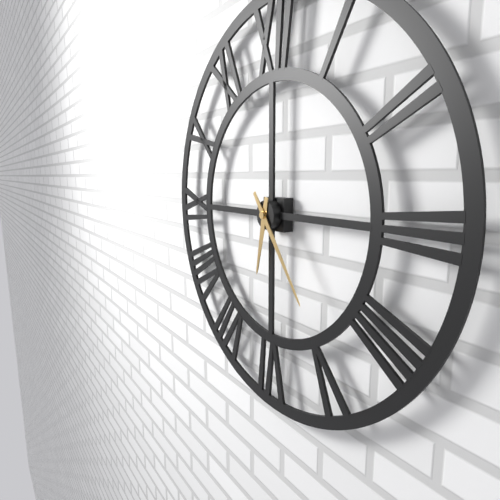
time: 6:24
